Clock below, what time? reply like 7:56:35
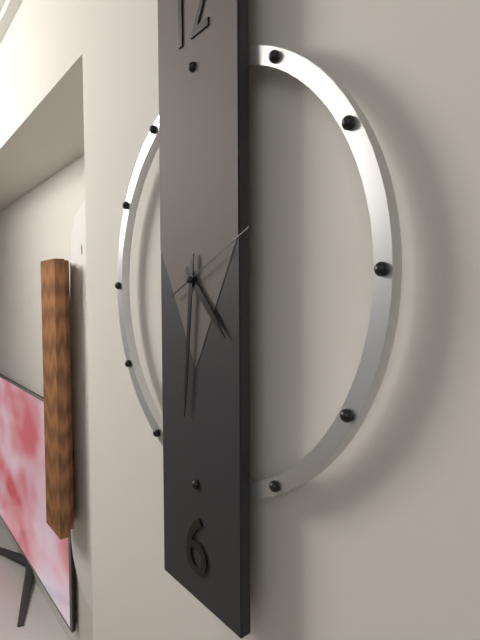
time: 4:31:11
